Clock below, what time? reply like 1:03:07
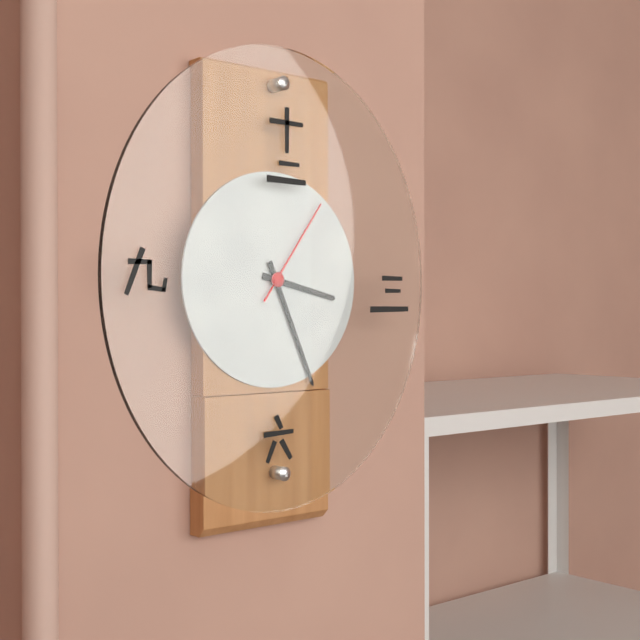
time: 3:26:06
